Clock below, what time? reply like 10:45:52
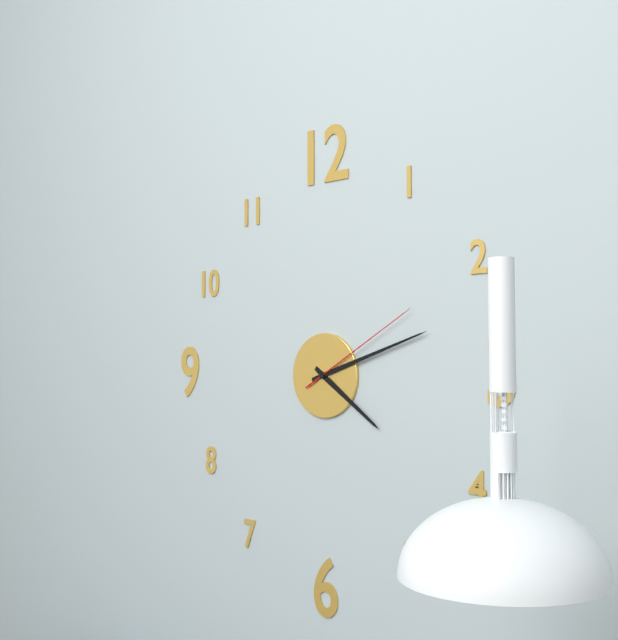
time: 4:12:10
